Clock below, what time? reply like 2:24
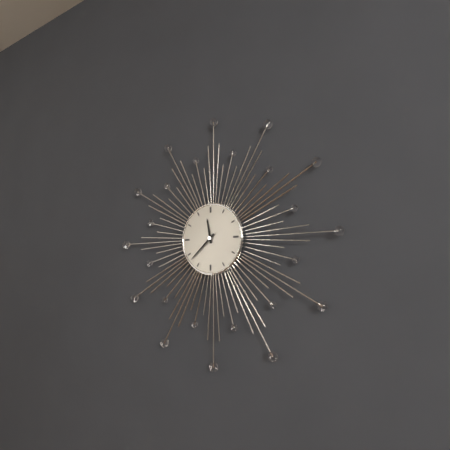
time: 11:38
